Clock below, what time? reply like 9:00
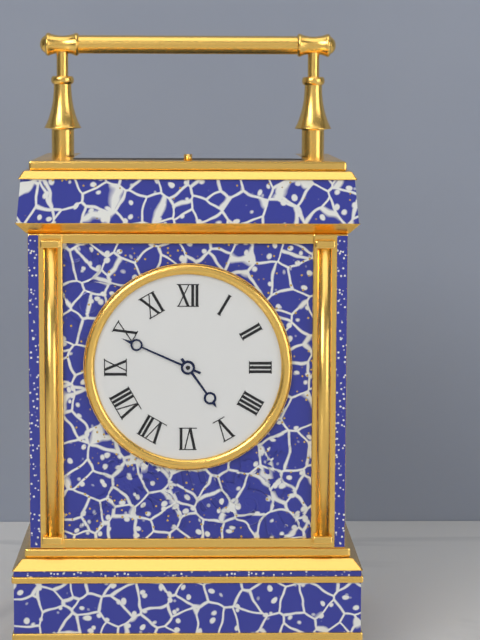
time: 4:49
